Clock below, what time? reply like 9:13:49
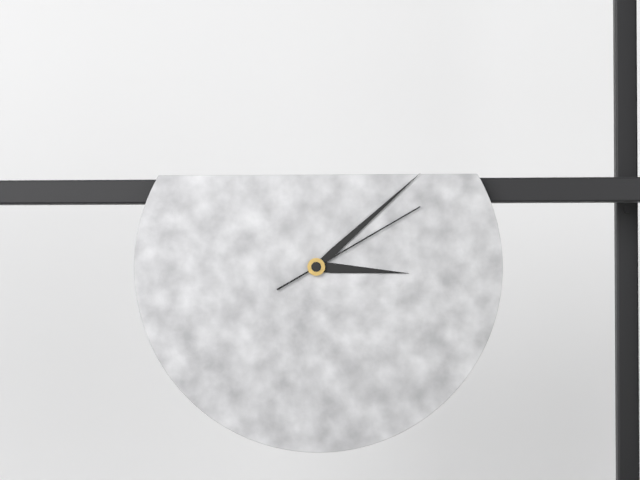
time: 3:08:10
